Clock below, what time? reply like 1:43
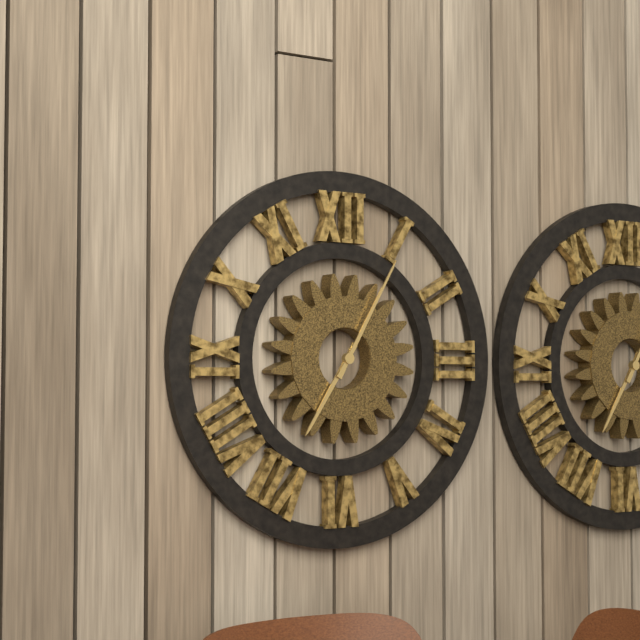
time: 7:05
